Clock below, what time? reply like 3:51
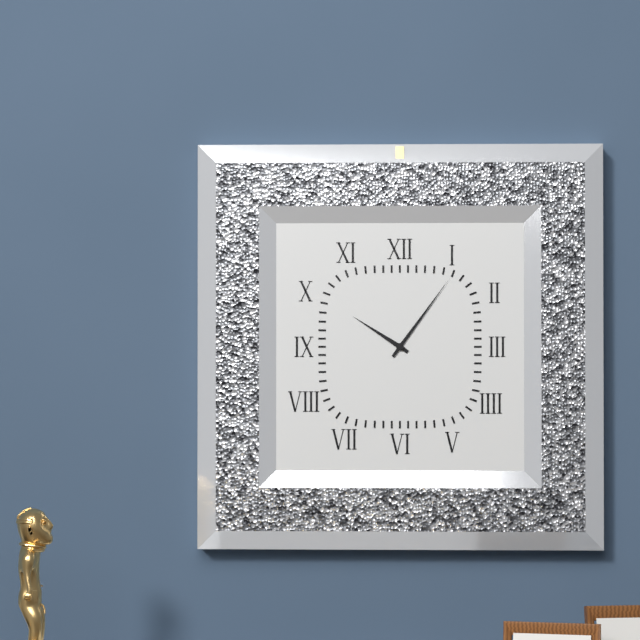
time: 10:06
